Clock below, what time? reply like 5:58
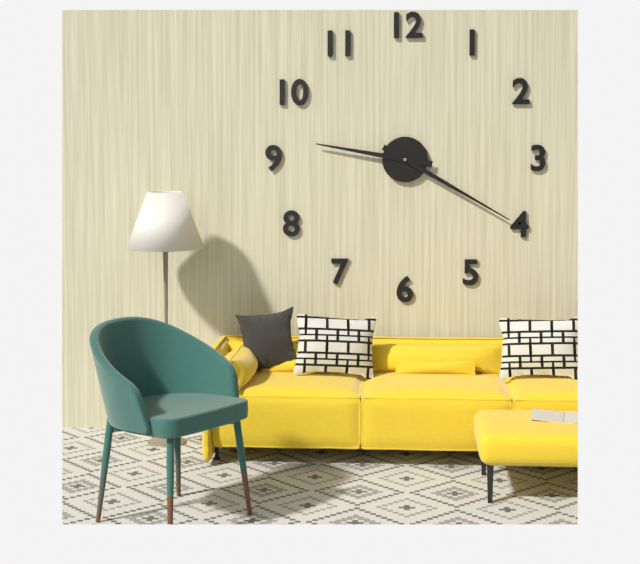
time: 9:20
